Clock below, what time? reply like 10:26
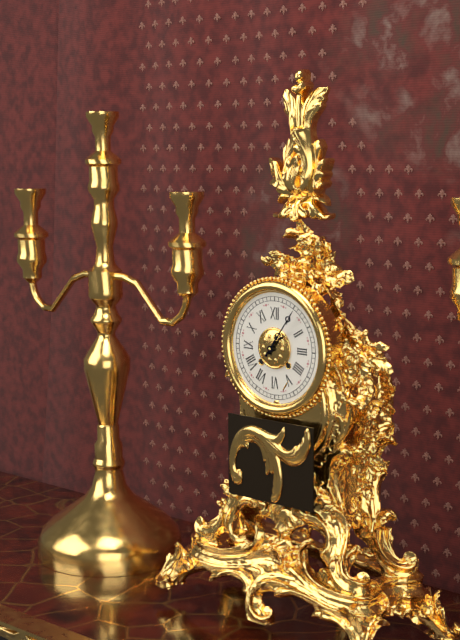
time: 1:06
